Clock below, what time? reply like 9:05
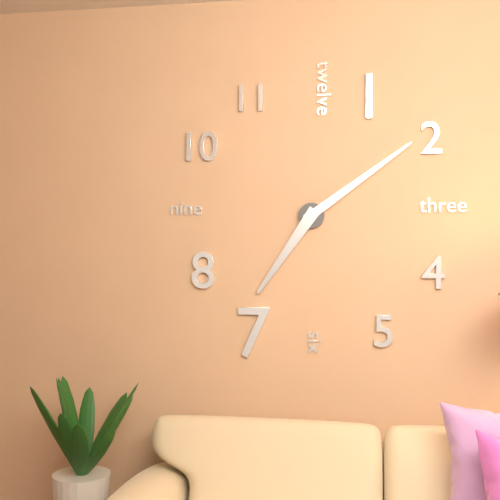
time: 7:09
